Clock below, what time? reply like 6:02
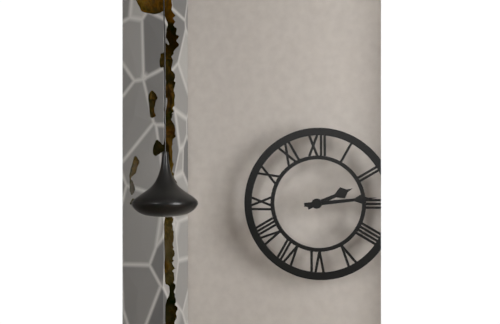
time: 2:14
